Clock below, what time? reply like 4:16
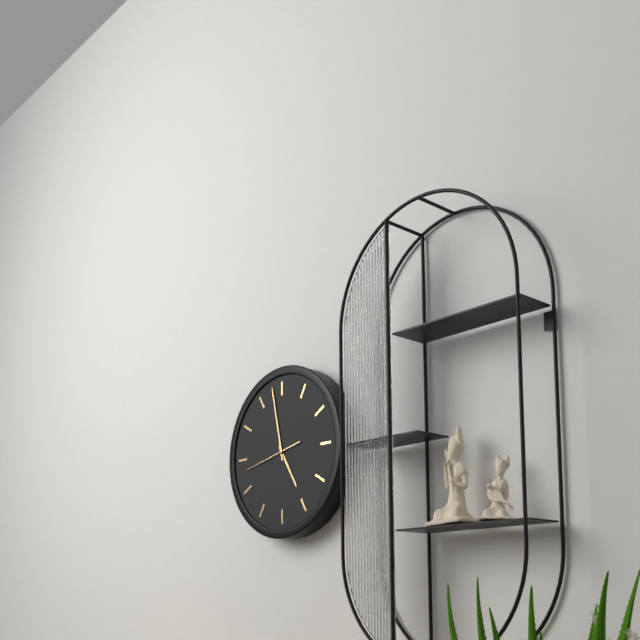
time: 4:58
